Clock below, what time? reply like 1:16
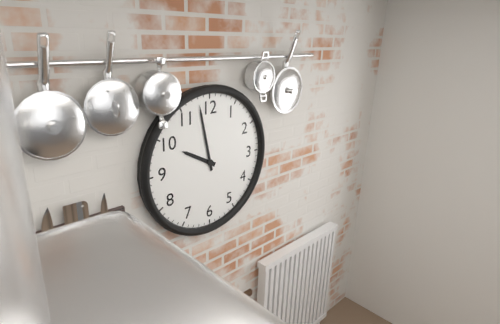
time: 9:58
